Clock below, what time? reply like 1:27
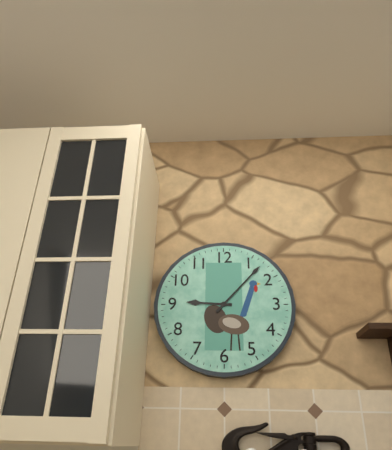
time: 9:07
